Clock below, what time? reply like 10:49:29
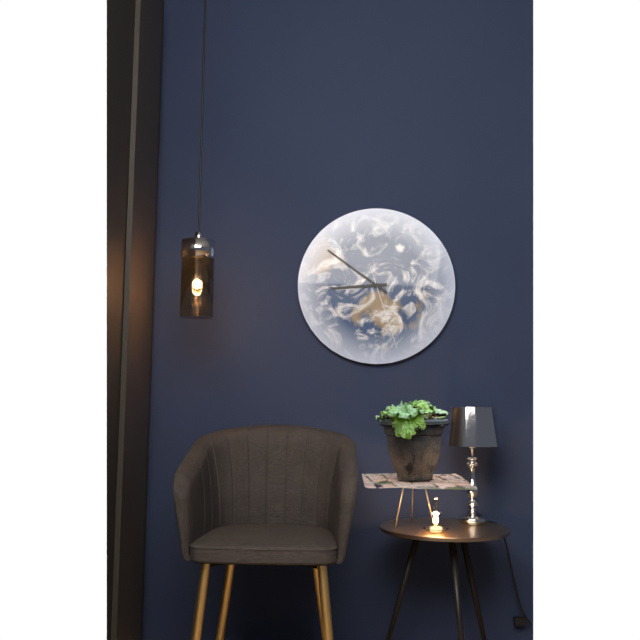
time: 8:51:27
